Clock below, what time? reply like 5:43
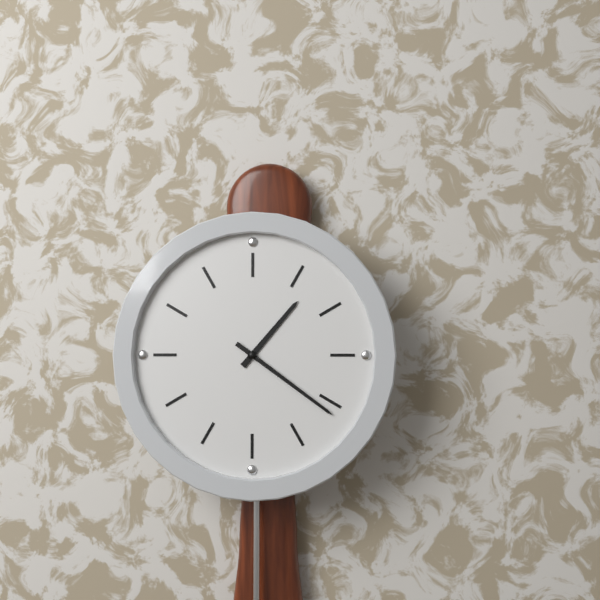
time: 1:21
